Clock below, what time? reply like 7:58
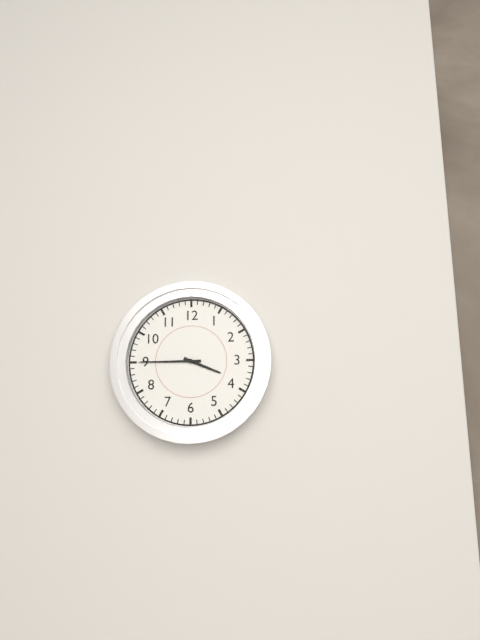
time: 3:45
